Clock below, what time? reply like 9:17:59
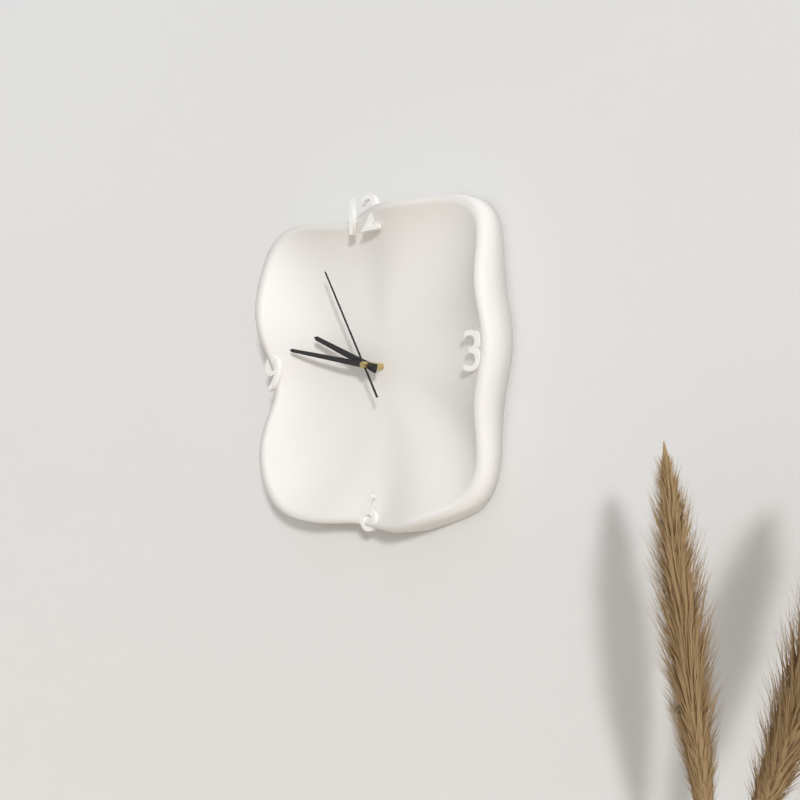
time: 9:47:55
